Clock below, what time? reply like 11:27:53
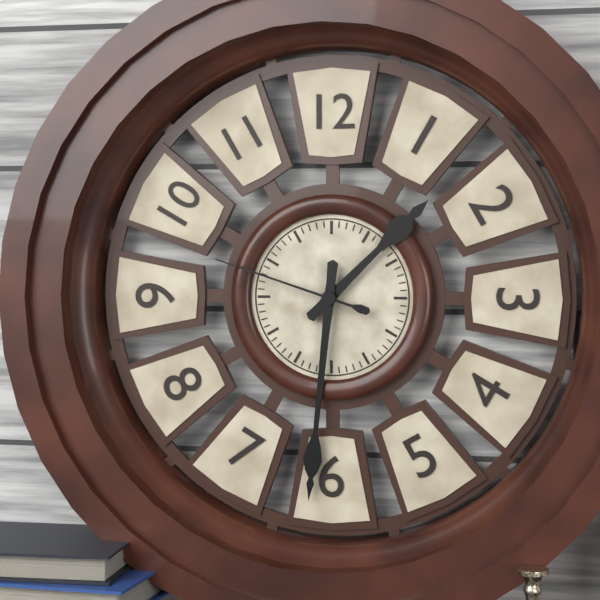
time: 1:31:48
